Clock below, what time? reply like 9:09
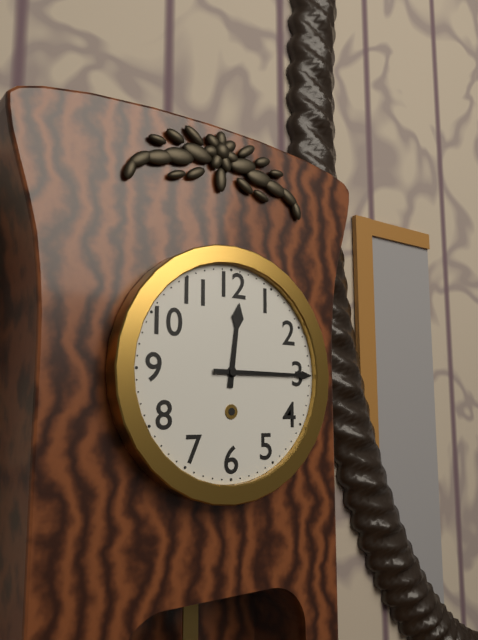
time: 12:15
